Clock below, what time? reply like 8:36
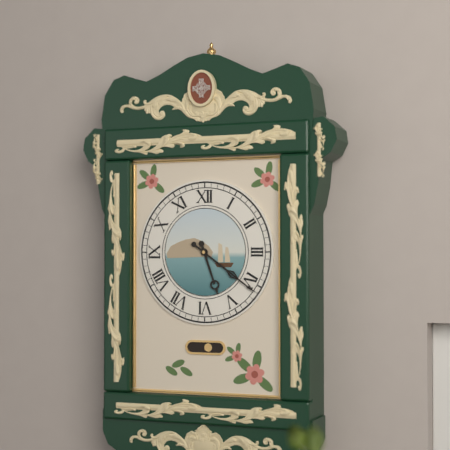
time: 5:21
